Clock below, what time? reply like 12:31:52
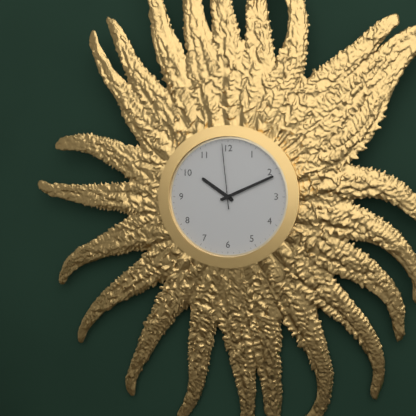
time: 10:11:59
